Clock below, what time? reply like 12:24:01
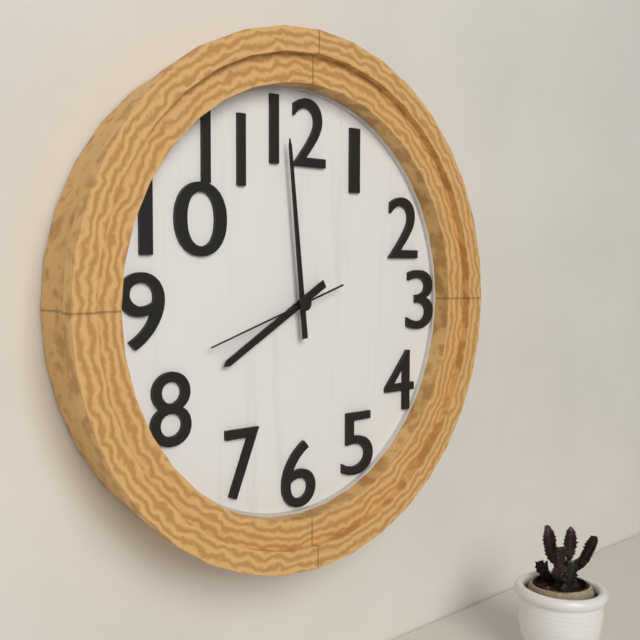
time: 7:59:42
